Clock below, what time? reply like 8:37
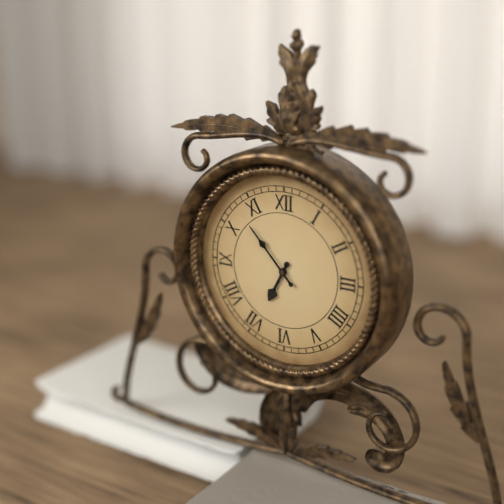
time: 6:53
